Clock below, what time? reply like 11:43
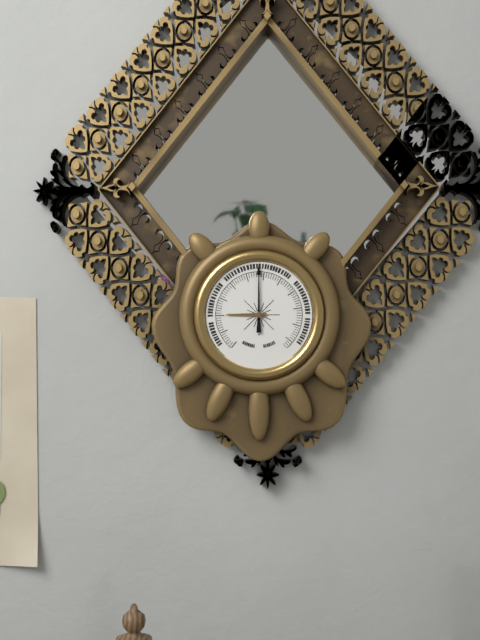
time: 9:00
